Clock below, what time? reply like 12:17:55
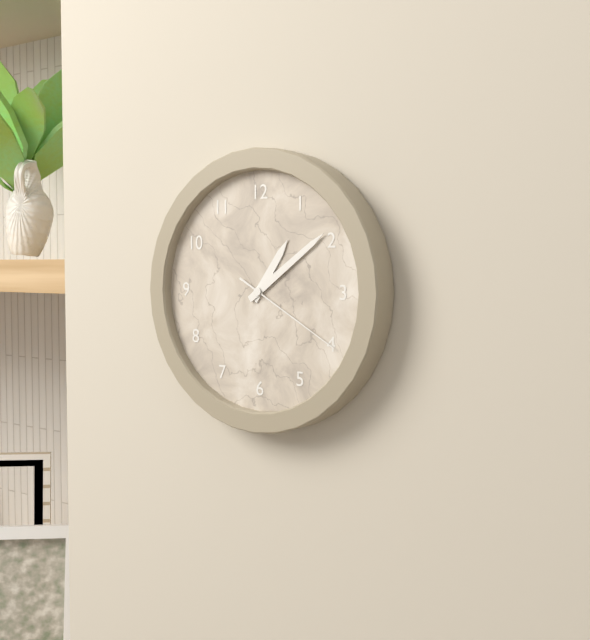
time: 1:09:20
